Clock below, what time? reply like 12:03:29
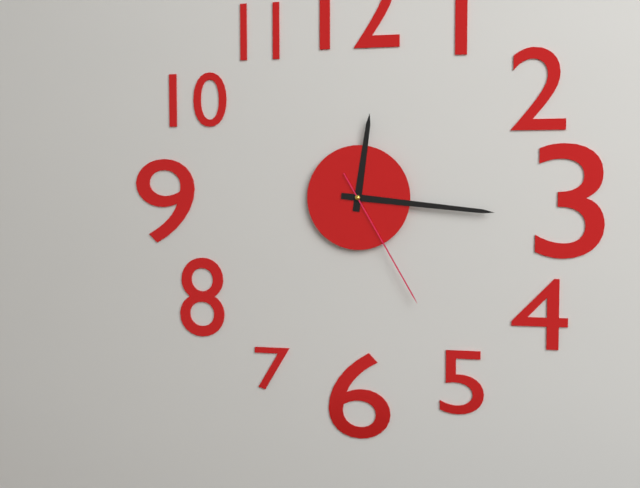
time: 12:16:25
